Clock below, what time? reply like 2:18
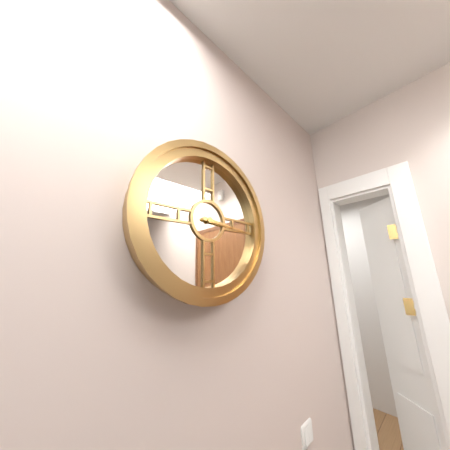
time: 3:16
